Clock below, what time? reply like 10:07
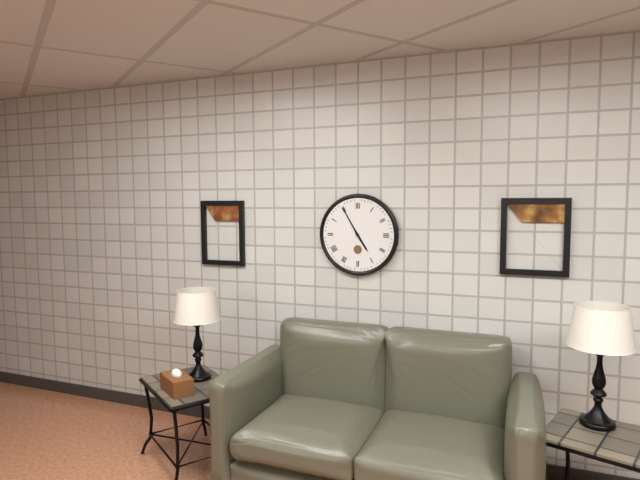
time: 4:55
